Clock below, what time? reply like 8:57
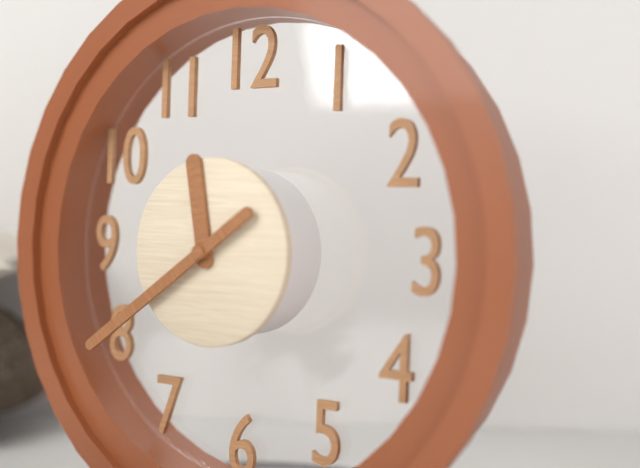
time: 11:39
